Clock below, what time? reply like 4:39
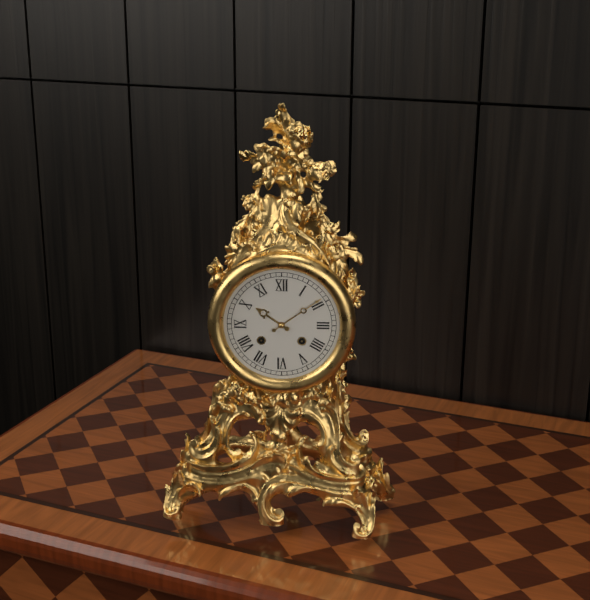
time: 10:09
